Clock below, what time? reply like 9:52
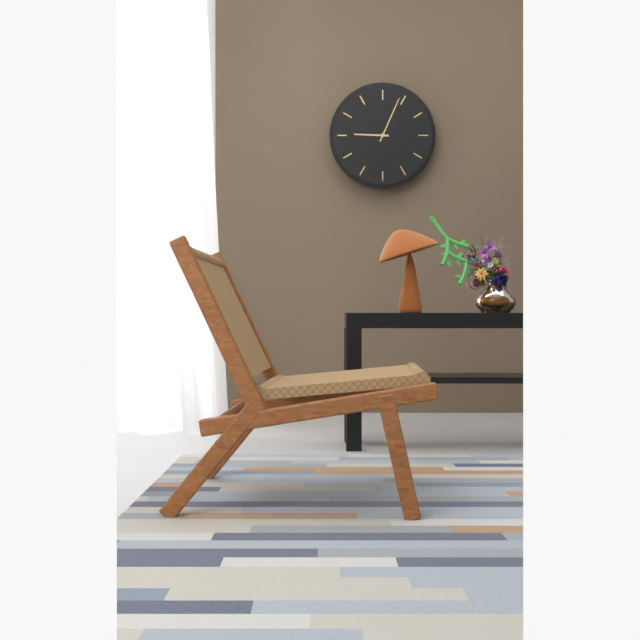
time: 9:04
